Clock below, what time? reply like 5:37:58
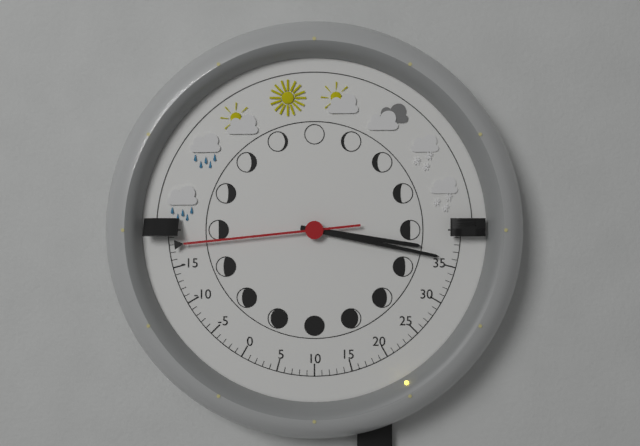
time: 3:17:44
